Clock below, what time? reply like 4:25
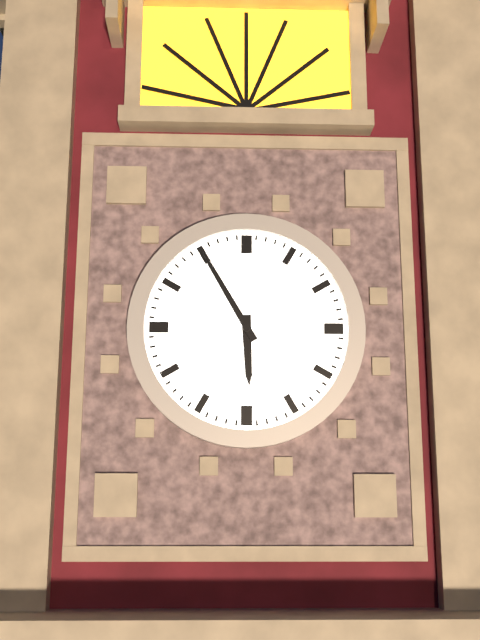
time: 5:55
